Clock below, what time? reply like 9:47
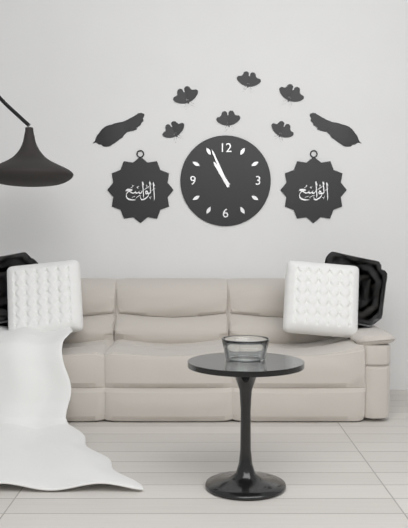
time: 10:56
